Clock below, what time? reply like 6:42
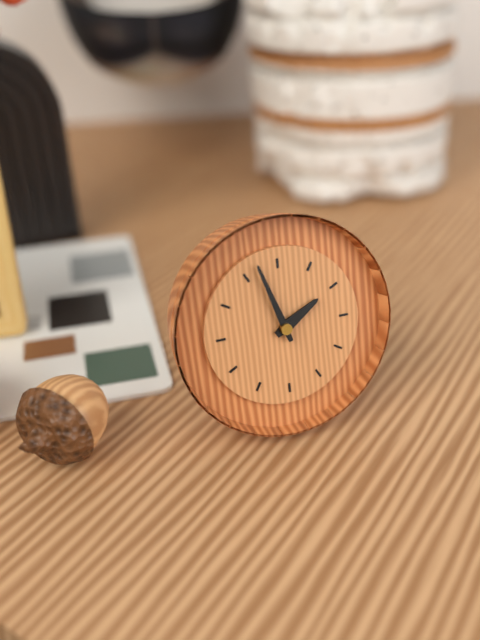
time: 1:57
